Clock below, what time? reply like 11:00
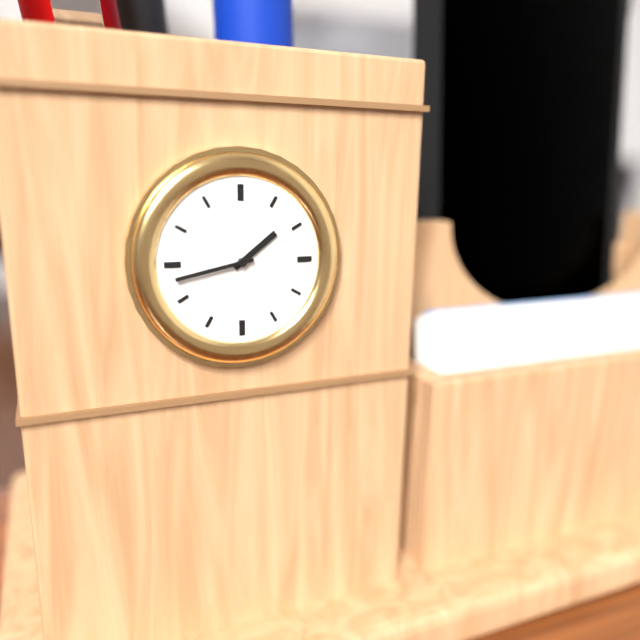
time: 1:43
